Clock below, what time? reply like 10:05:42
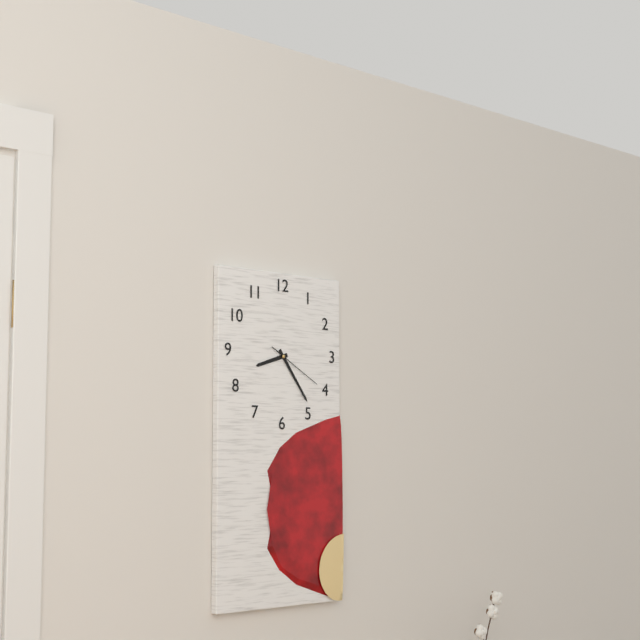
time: 8:24:20
